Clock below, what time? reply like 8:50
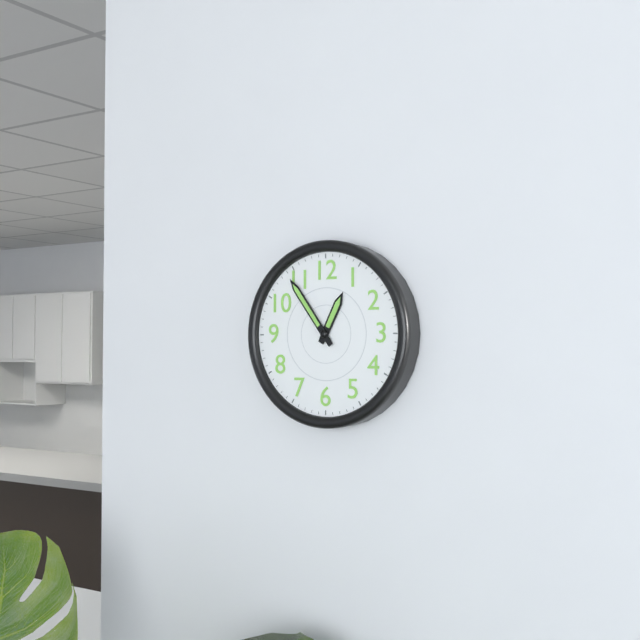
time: 12:54
